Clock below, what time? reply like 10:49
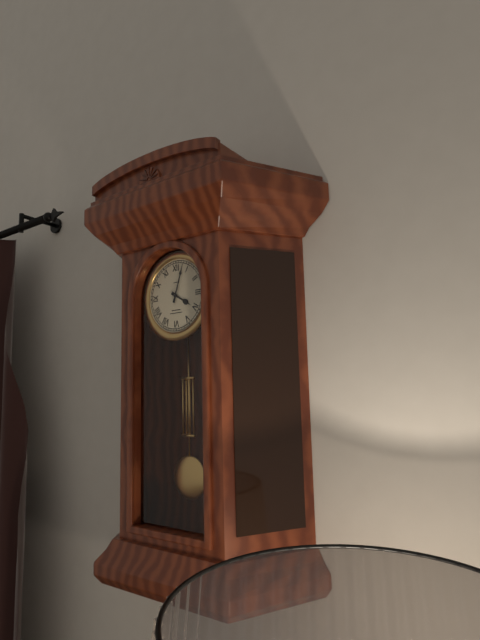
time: 4:03
